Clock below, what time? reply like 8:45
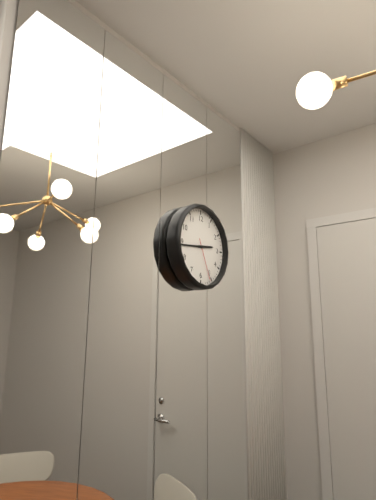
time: 2:44
